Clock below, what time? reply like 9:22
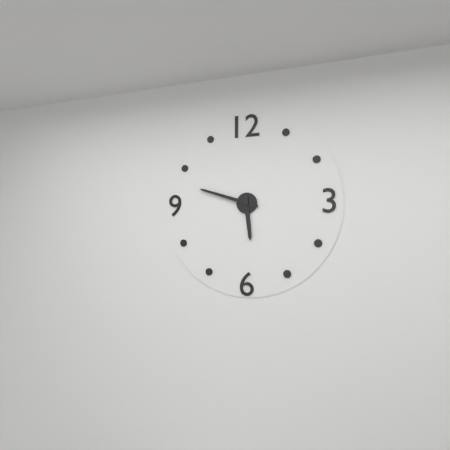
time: 5:48
